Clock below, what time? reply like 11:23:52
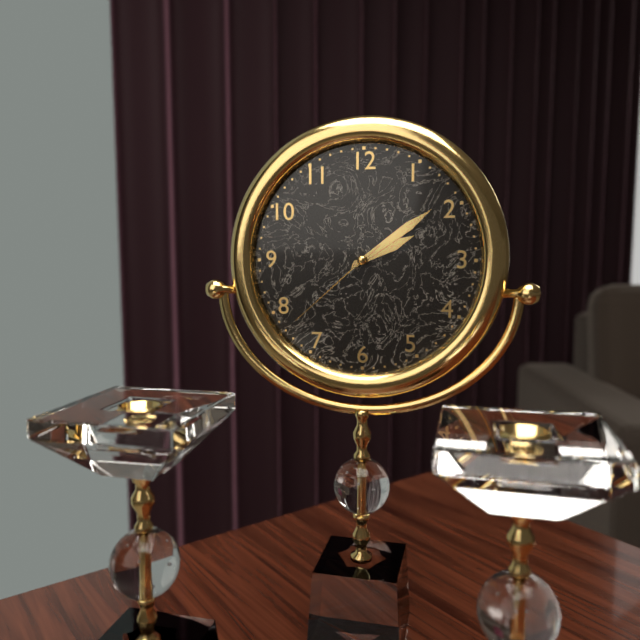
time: 2:09:38
